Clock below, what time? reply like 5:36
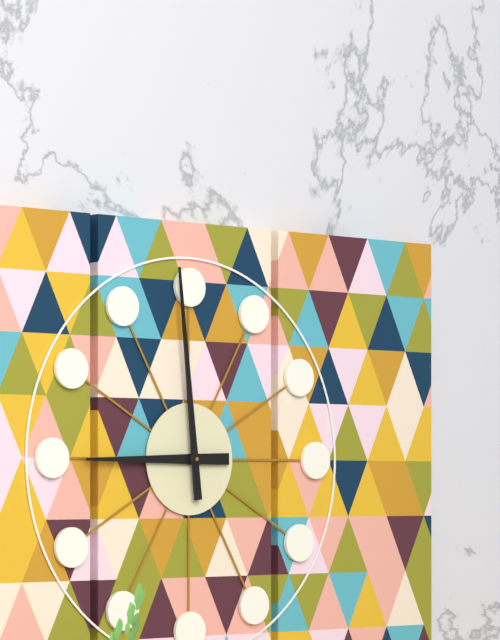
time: 8:59
